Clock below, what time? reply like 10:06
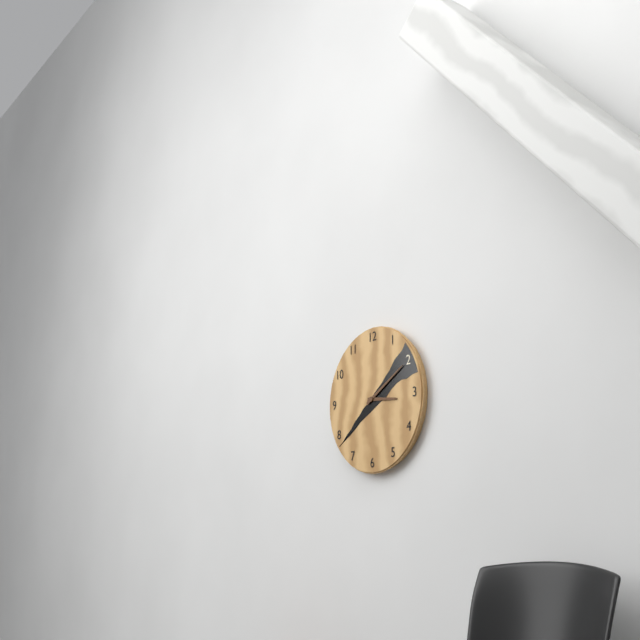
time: 3:10
